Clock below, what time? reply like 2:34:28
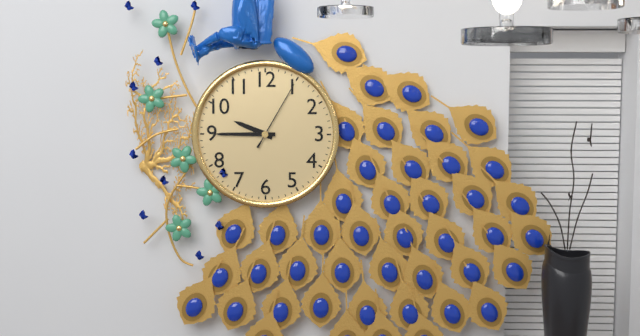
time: 9:45:05
